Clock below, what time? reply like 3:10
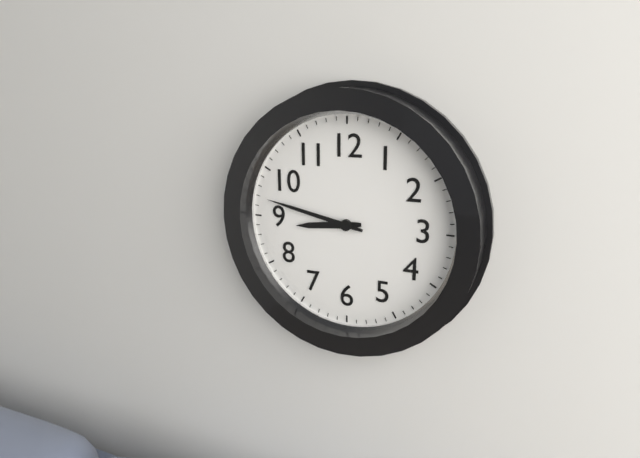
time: 8:47
